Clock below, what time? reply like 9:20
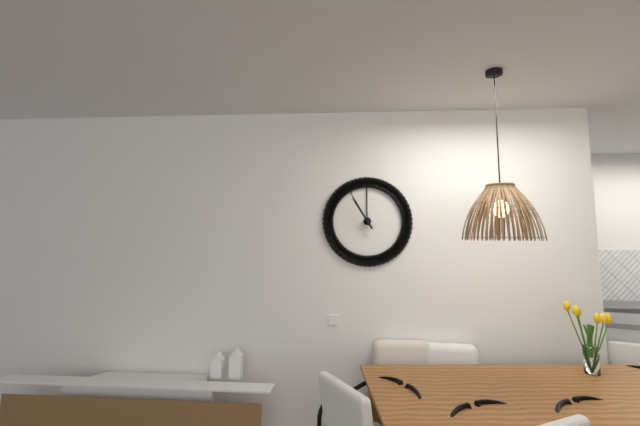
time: 10:55
